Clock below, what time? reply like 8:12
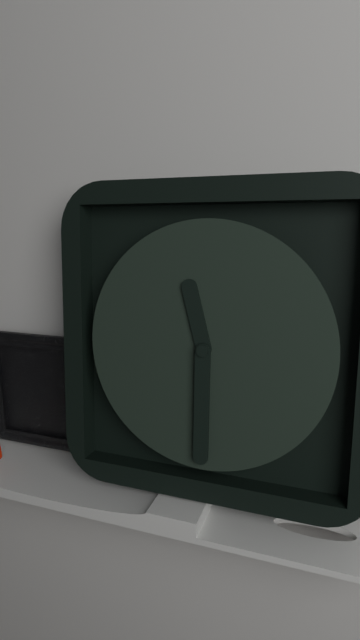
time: 11:30
